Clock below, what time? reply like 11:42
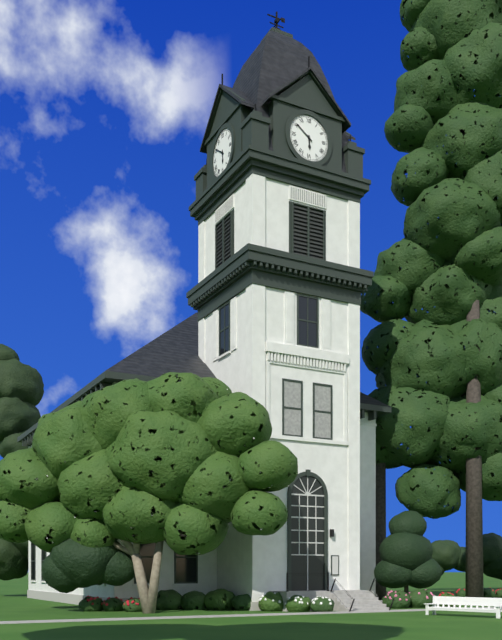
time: 5:51
